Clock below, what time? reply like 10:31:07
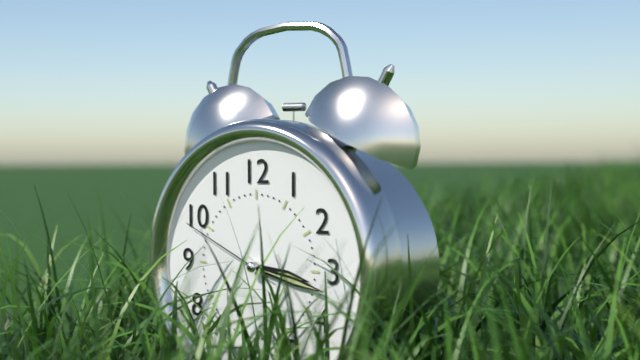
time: 3:17:49
